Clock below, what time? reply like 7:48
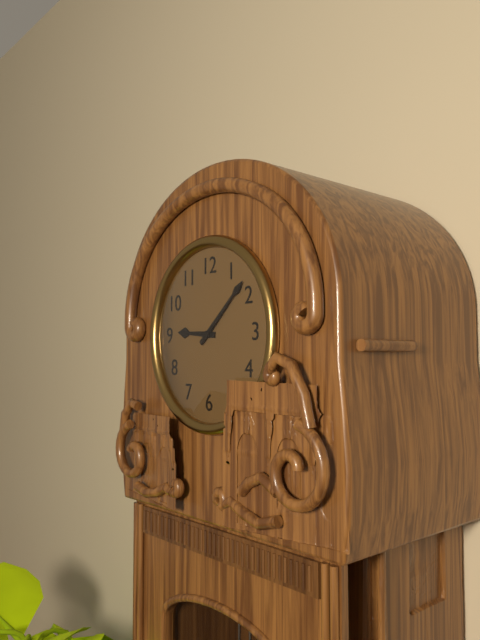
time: 9:08
